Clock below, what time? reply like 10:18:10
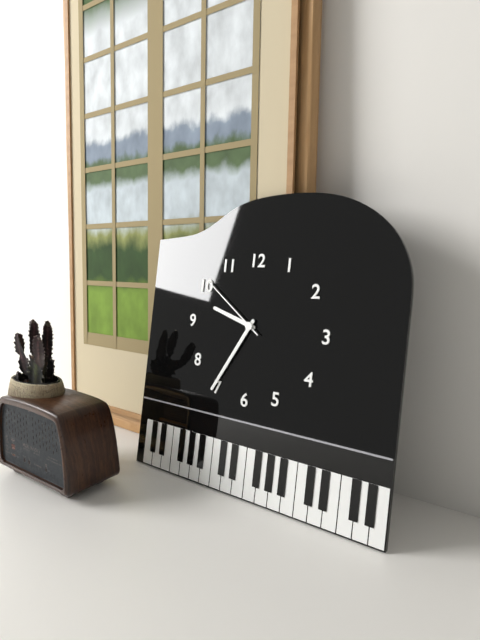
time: 9:35:51
